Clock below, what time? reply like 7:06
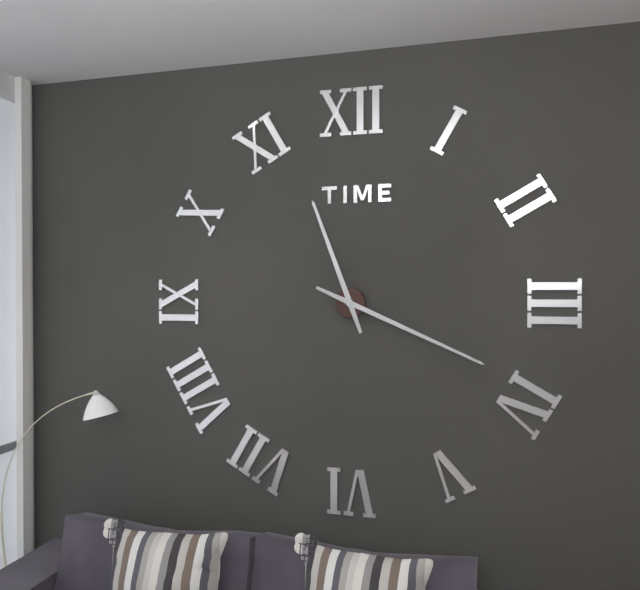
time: 11:19
